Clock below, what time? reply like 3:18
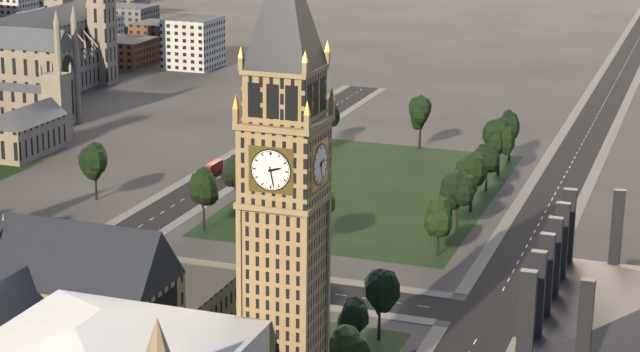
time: 2:28
